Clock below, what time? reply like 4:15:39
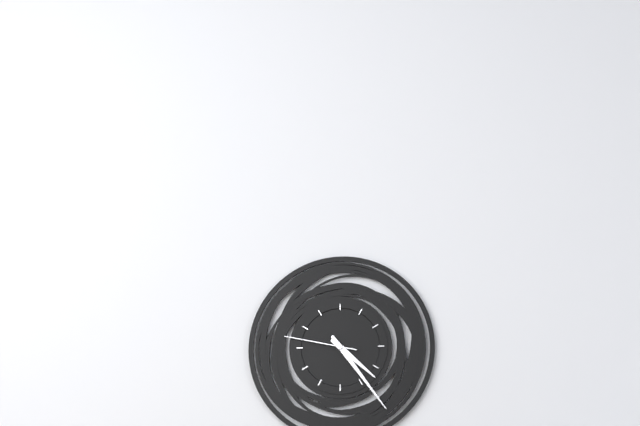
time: 4:24:47
